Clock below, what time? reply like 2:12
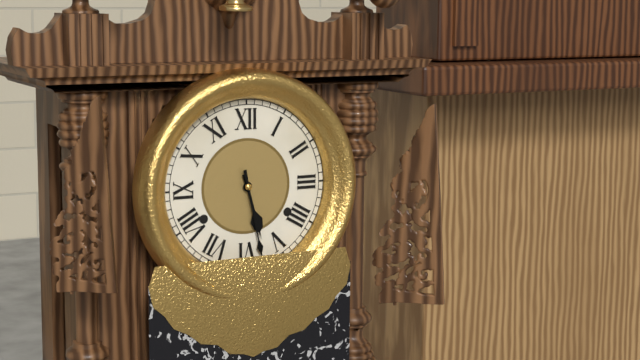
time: 5:28
